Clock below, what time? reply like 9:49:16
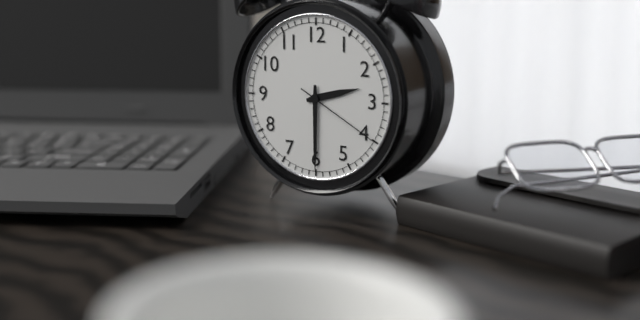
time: 2:30:20
